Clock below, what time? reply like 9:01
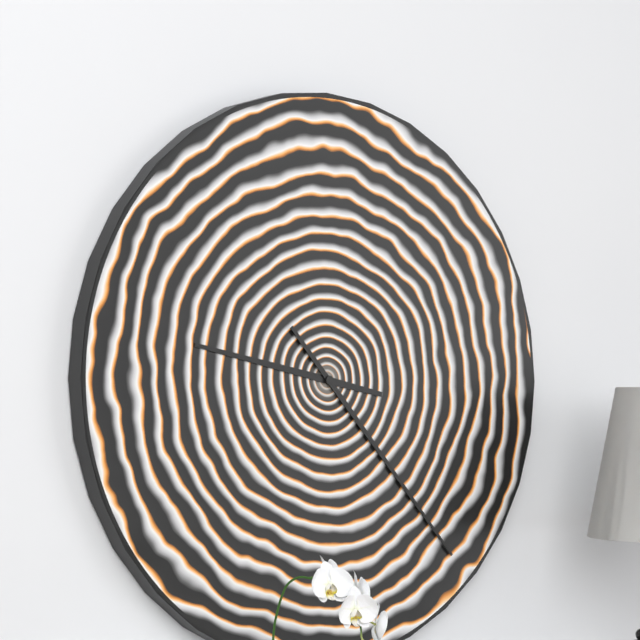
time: 9:23
